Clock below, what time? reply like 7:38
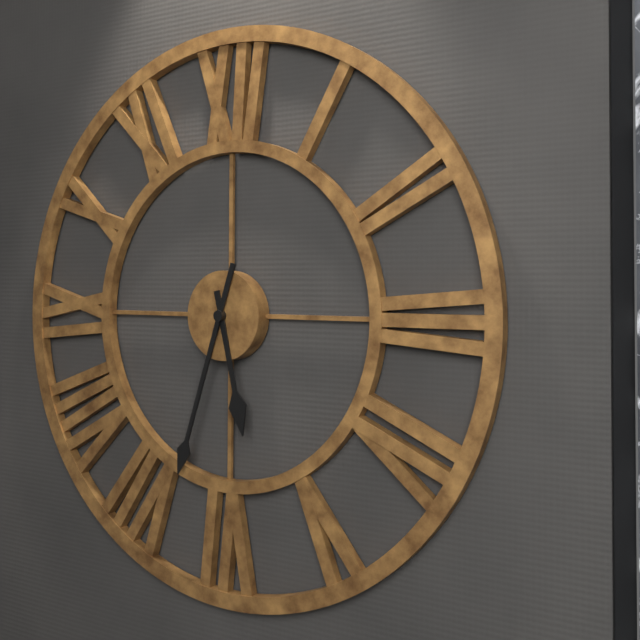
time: 5:33
